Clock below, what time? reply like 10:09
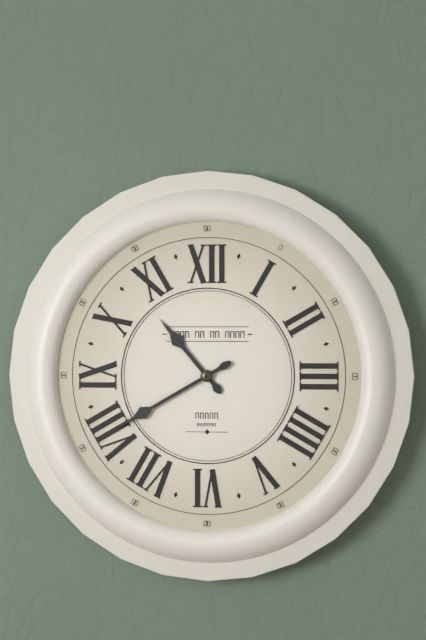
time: 10:40
